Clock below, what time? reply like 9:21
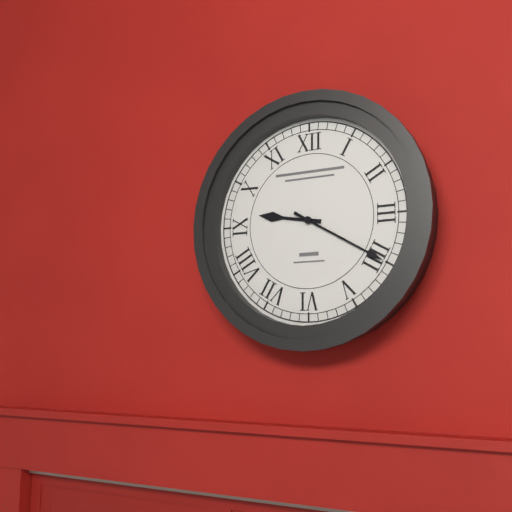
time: 9:20
